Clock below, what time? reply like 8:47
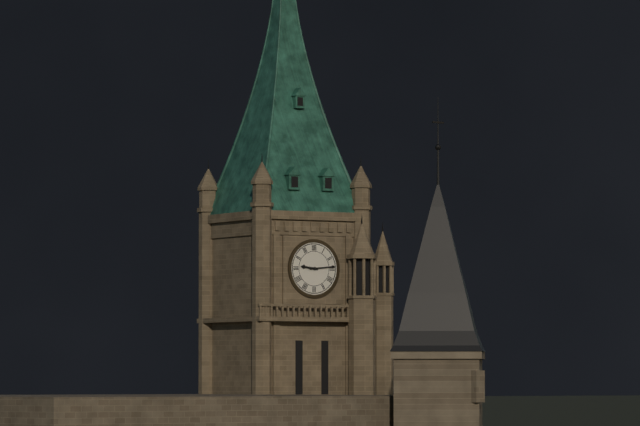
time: 9:14
